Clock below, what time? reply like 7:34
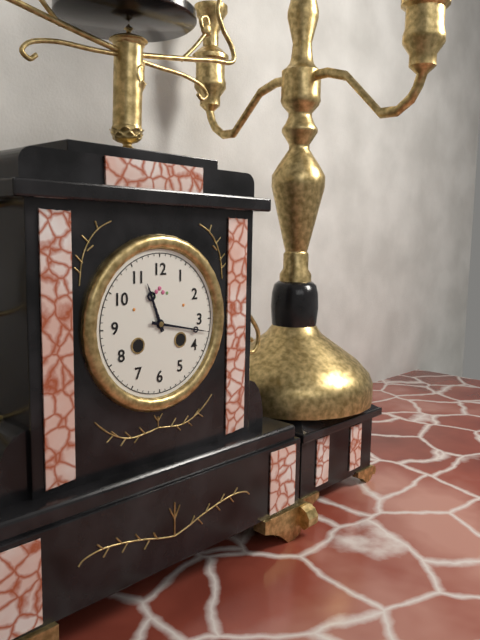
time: 11:17
